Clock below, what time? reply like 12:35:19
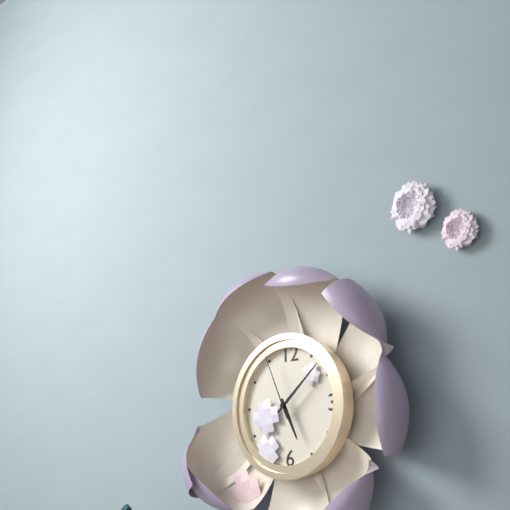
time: 5:08:56
